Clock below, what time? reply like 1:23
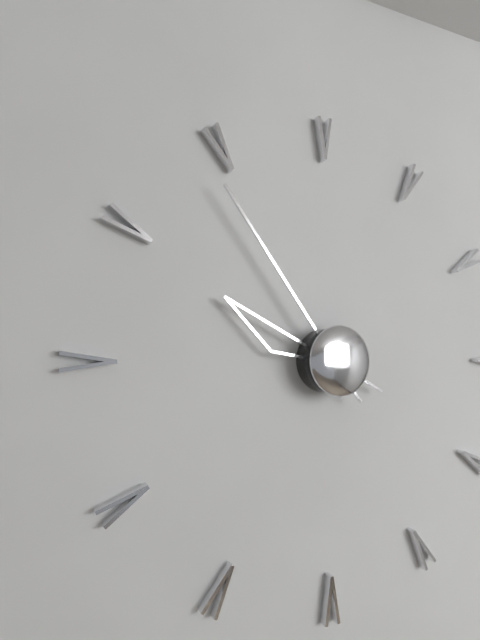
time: 9:54
